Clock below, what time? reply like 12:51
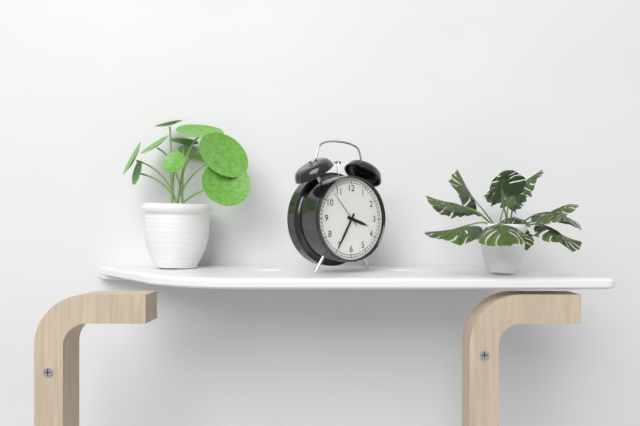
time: 3:35
